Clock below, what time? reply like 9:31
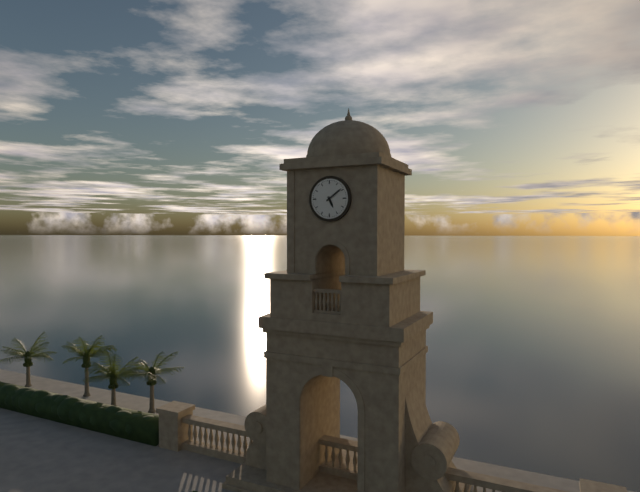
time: 5:09
